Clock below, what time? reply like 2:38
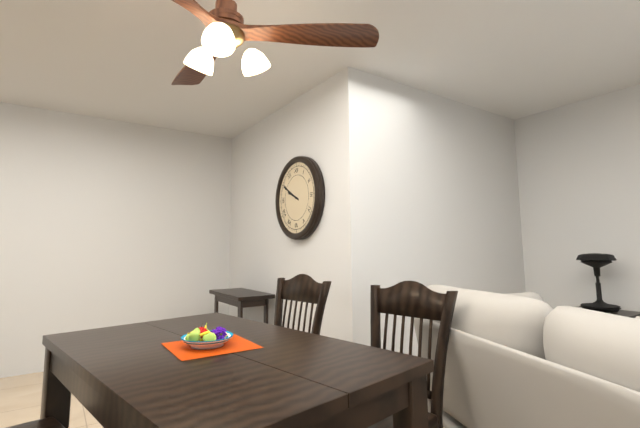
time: 9:50
